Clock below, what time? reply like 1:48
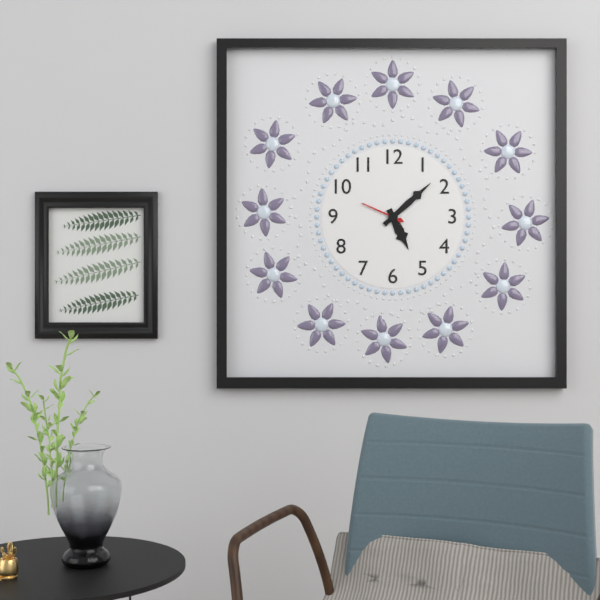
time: 5:08
